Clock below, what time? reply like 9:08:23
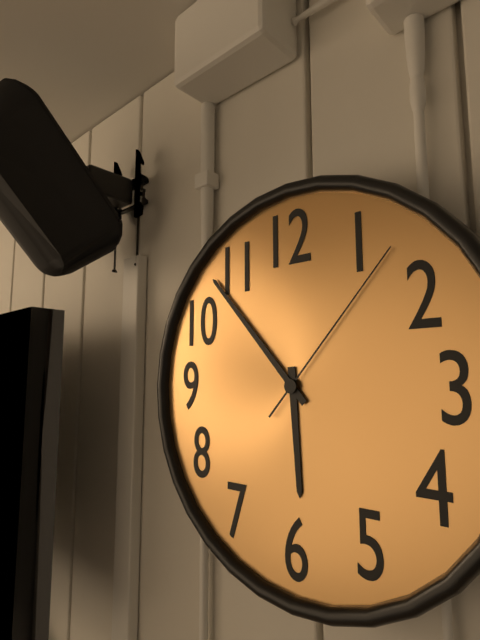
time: 5:53:07
